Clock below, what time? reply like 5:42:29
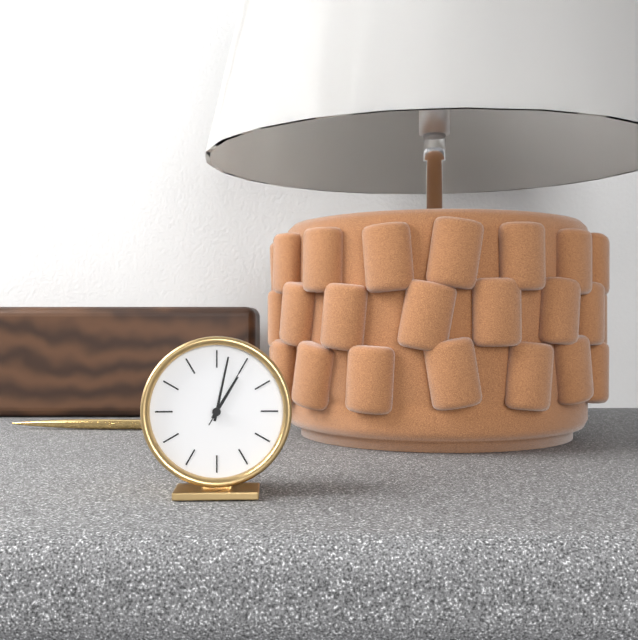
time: 1:02:05
